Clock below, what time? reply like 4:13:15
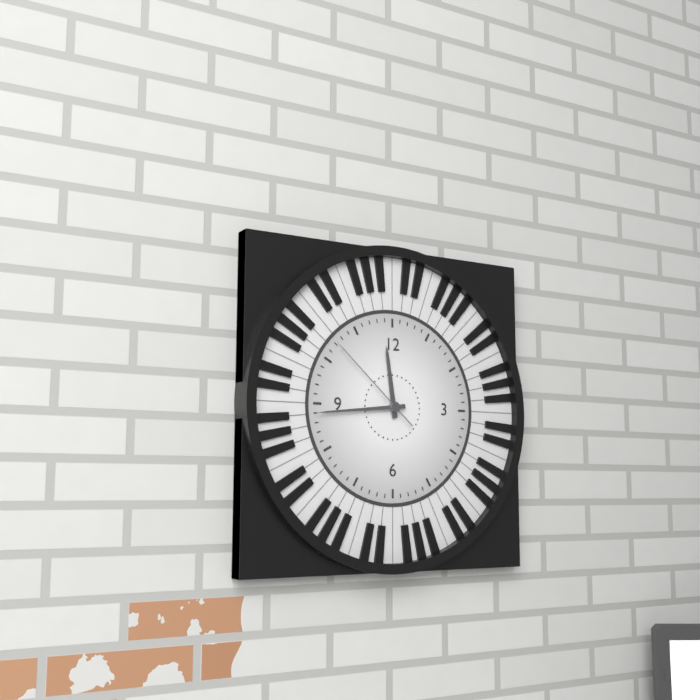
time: 11:44:52
